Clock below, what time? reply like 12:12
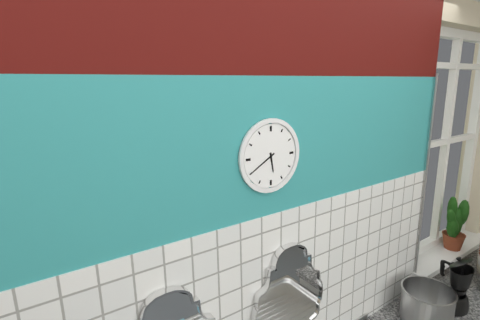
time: 5:40
